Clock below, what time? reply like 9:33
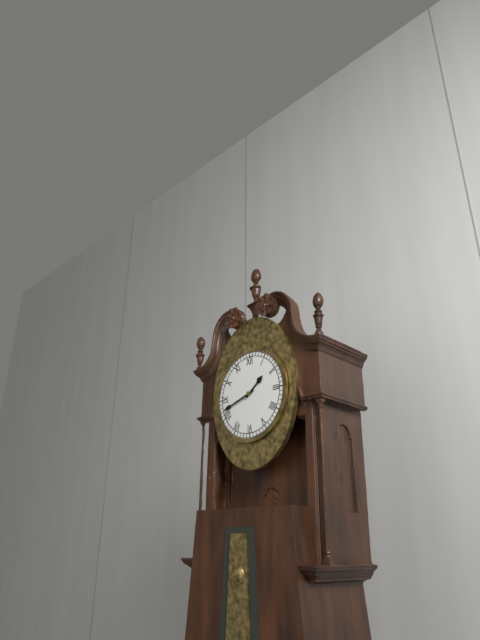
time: 1:42
